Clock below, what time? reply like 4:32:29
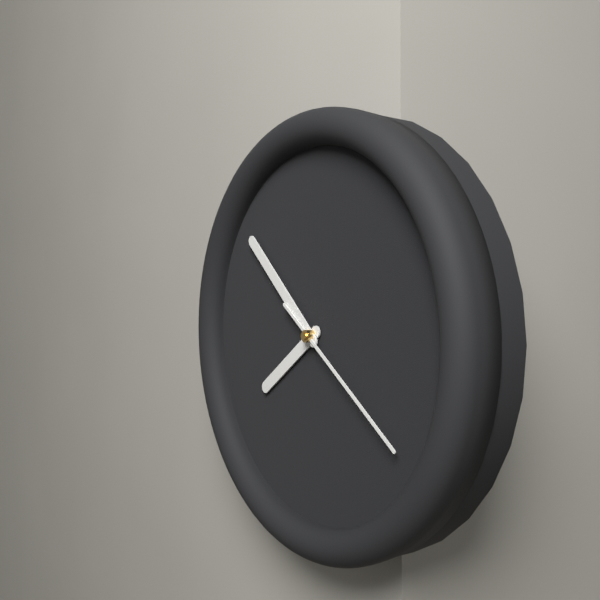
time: 7:52:21
